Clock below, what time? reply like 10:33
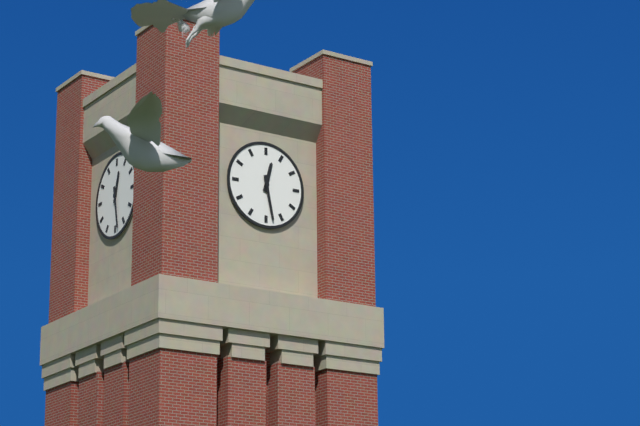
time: 12:28
